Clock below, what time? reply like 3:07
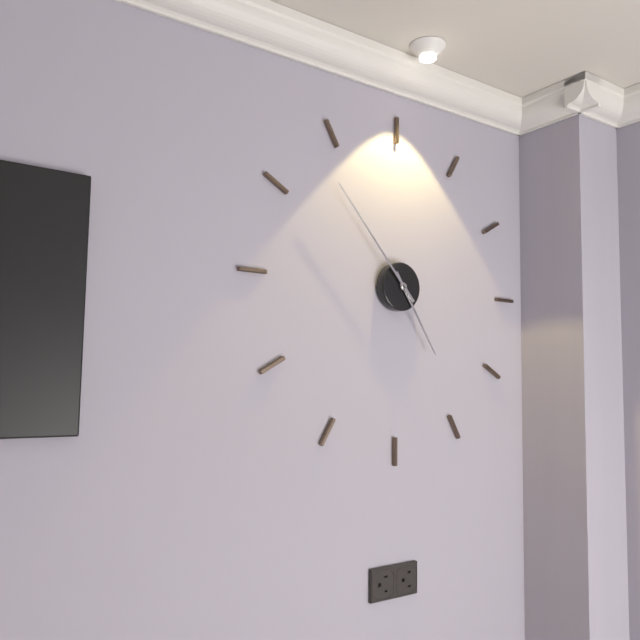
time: 4:53
